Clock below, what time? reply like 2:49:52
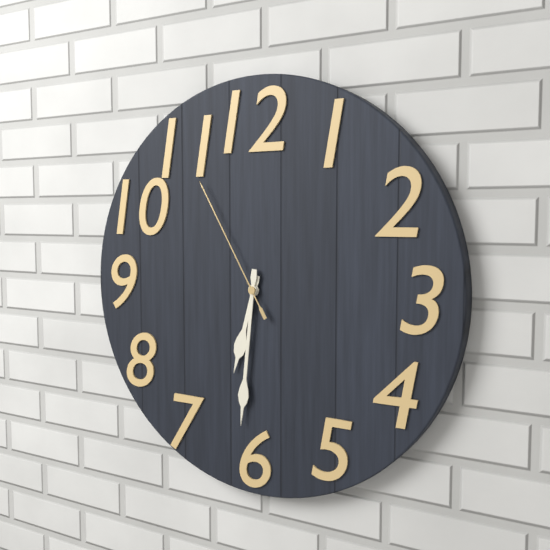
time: 6:31:55
